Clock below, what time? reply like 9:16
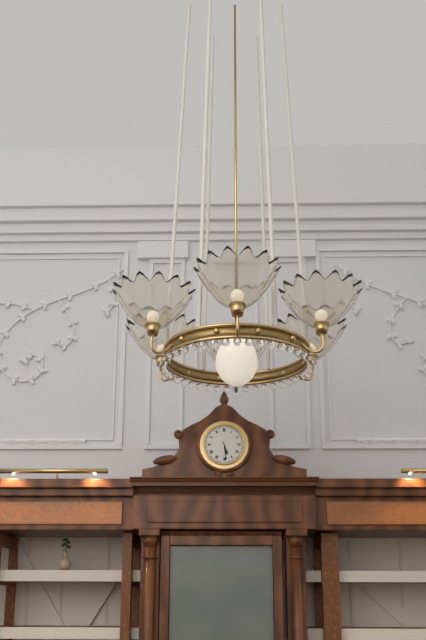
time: 5:29
